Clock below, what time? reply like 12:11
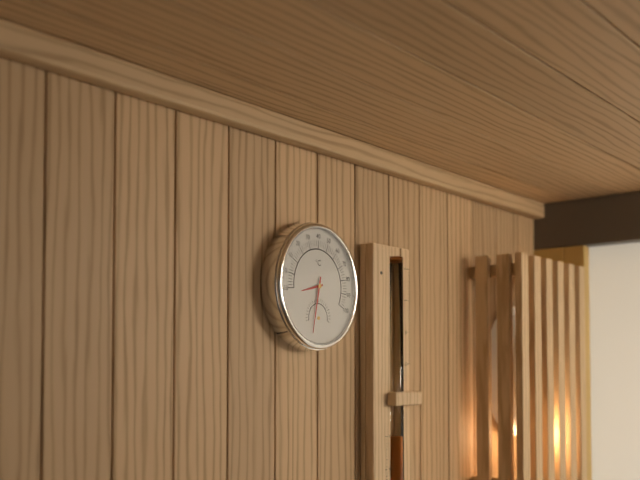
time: 8:32
